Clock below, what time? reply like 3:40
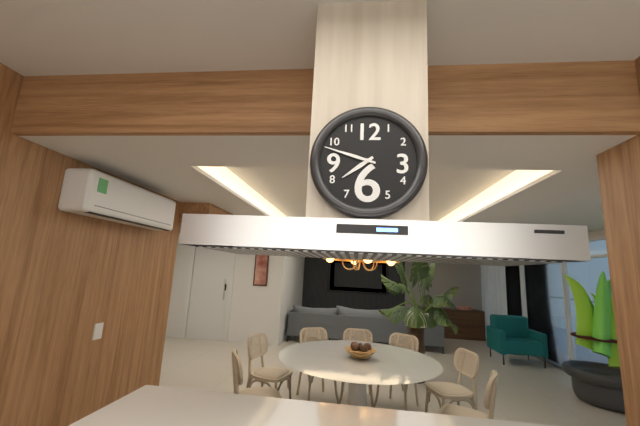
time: 7:48
